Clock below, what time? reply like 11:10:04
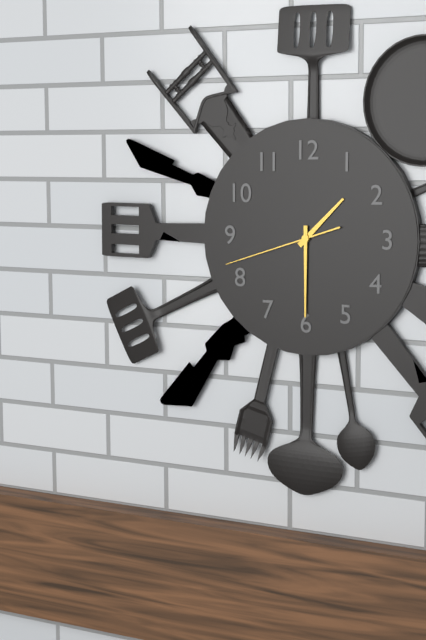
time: 1:30:42
